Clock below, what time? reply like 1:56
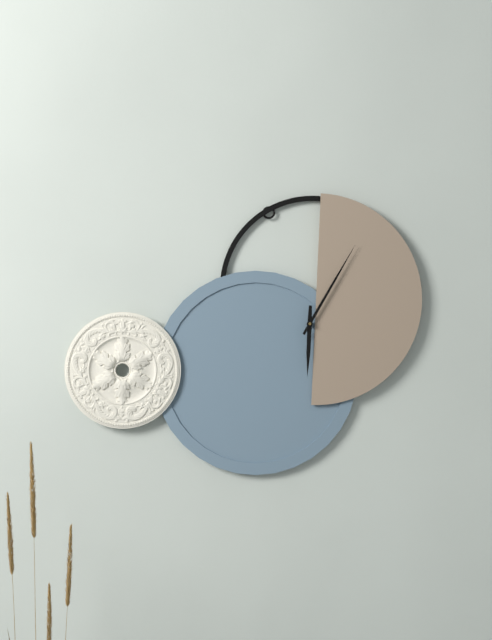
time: 6:05
